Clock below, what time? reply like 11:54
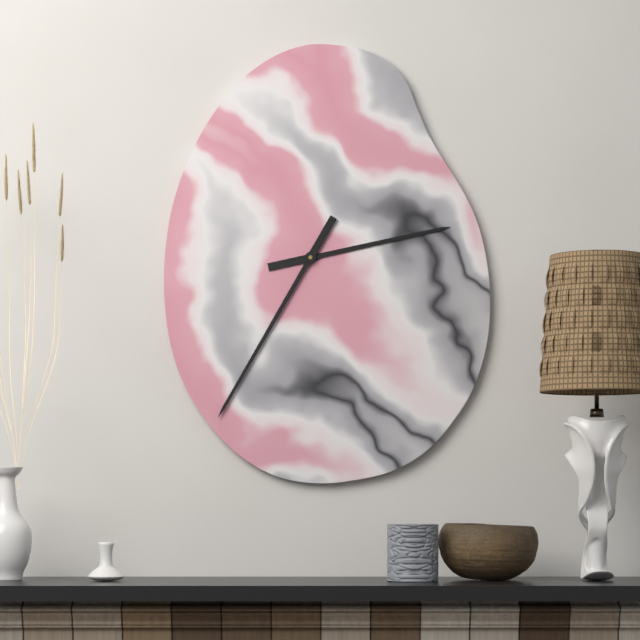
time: 2:35
